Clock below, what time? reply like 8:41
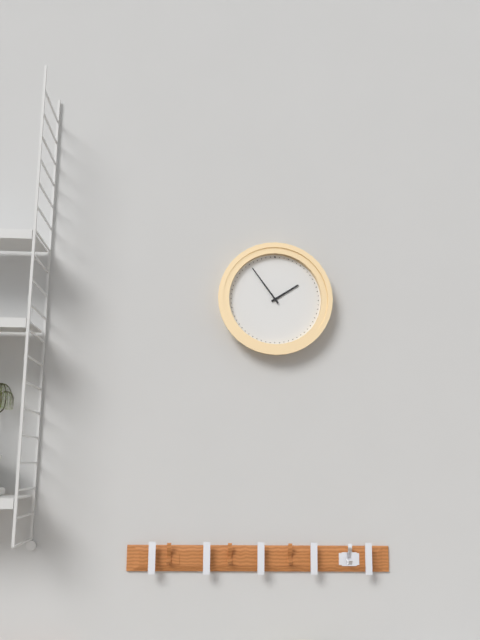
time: 1:54
